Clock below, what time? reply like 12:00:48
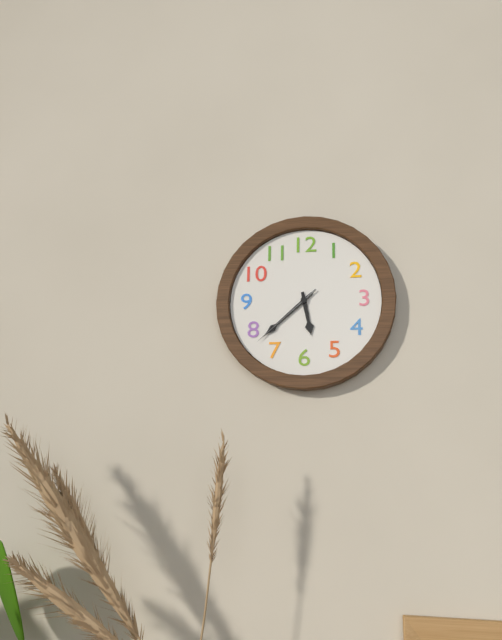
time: 5:38:38
